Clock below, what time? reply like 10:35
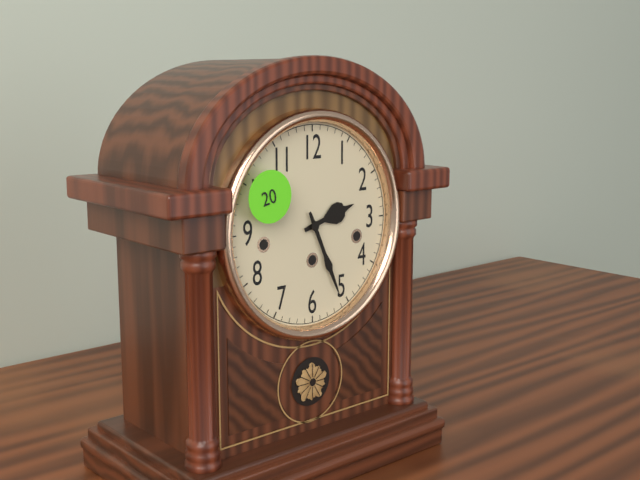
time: 2:26
